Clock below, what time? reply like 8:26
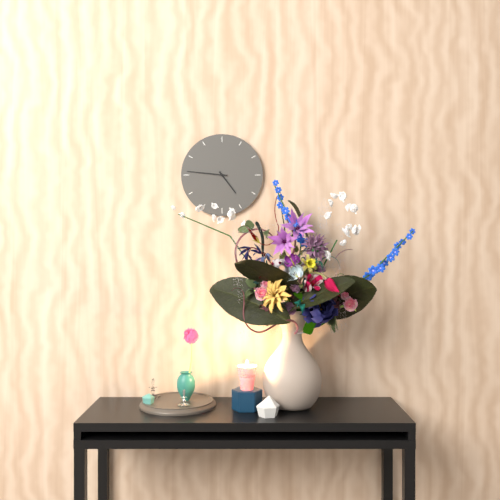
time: 4:46
